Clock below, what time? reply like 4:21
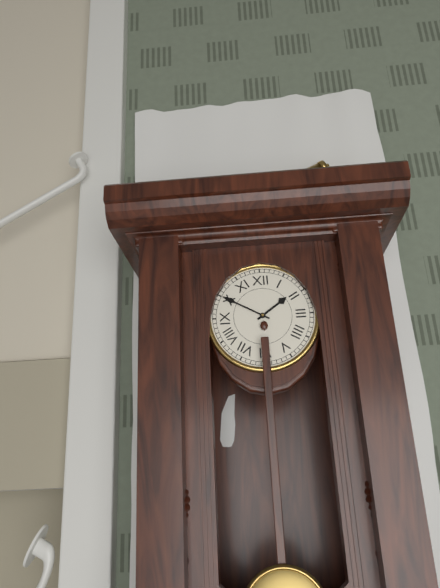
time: 1:50
